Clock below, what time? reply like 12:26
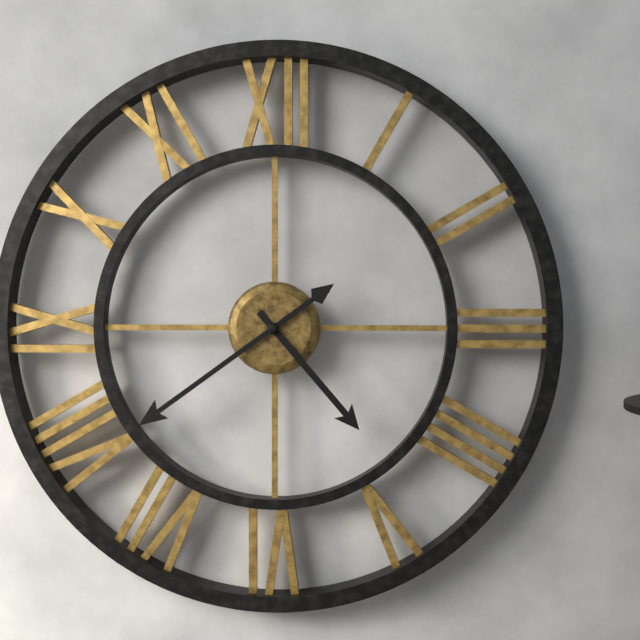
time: 4:39
